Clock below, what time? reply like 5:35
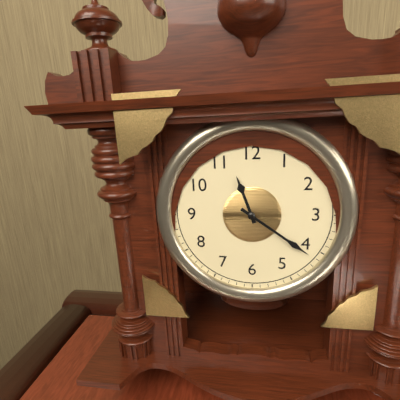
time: 11:21
